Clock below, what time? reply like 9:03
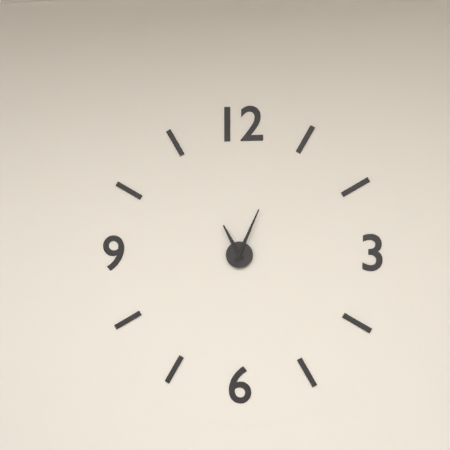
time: 11:04
